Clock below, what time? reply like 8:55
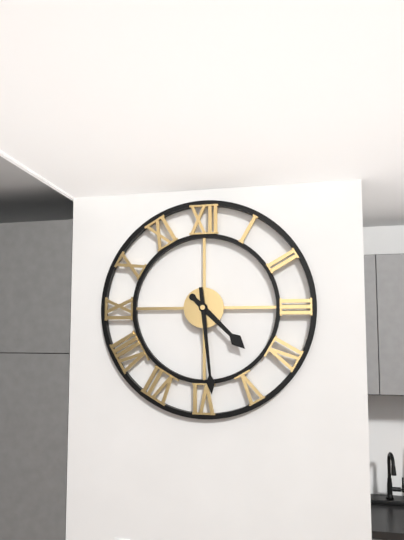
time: 4:29
